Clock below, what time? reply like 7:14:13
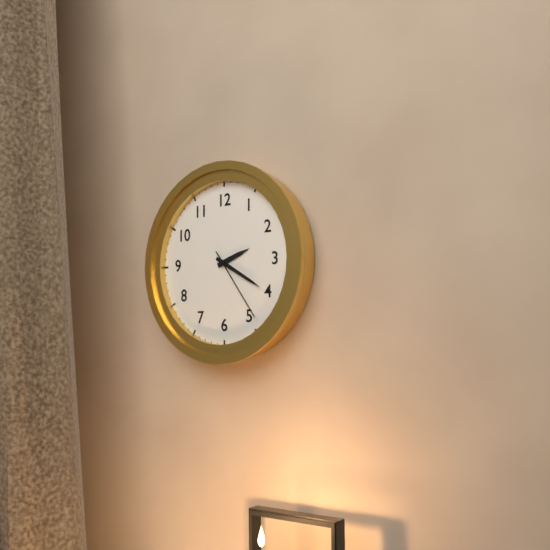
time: 2:20:24
